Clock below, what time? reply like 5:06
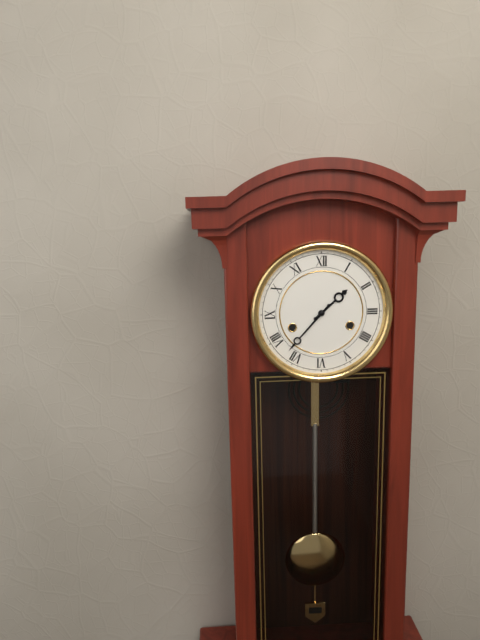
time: 1:37
